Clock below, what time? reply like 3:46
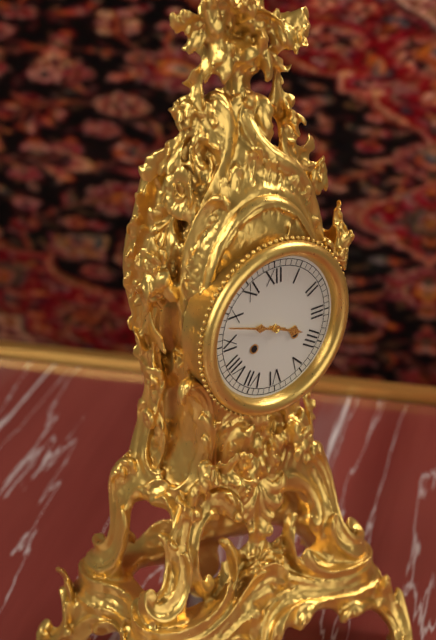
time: 3:48
